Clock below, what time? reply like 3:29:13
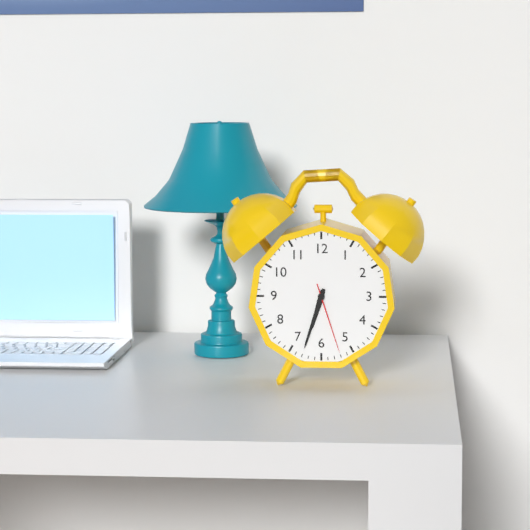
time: 6:33:27
